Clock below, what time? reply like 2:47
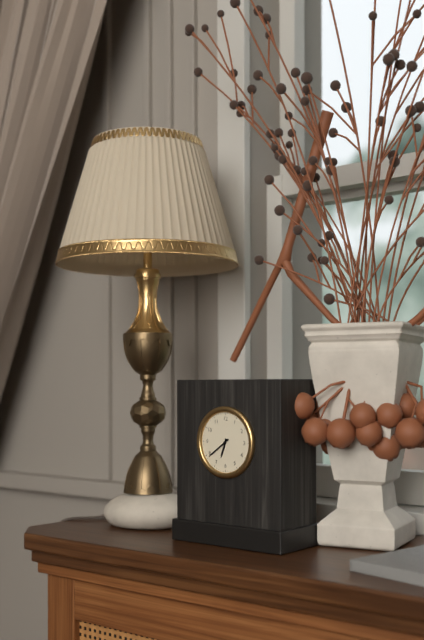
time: 6:39
